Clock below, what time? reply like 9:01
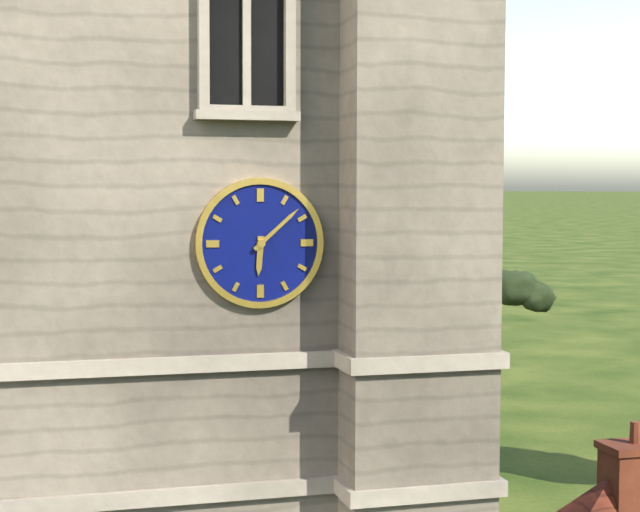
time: 6:08
